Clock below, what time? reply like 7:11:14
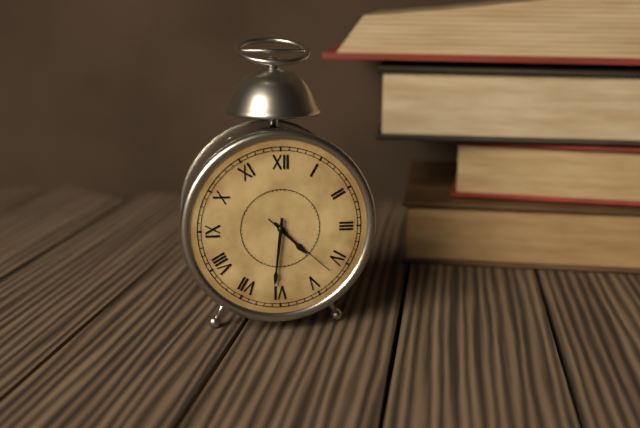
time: 4:31:22
